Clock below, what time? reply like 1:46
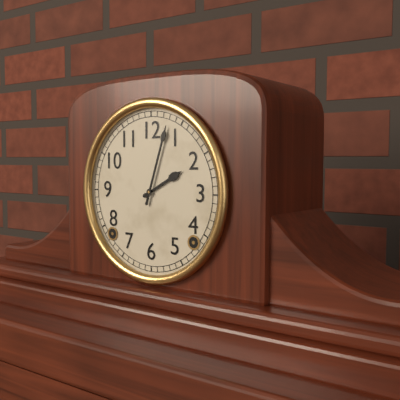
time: 2:03
